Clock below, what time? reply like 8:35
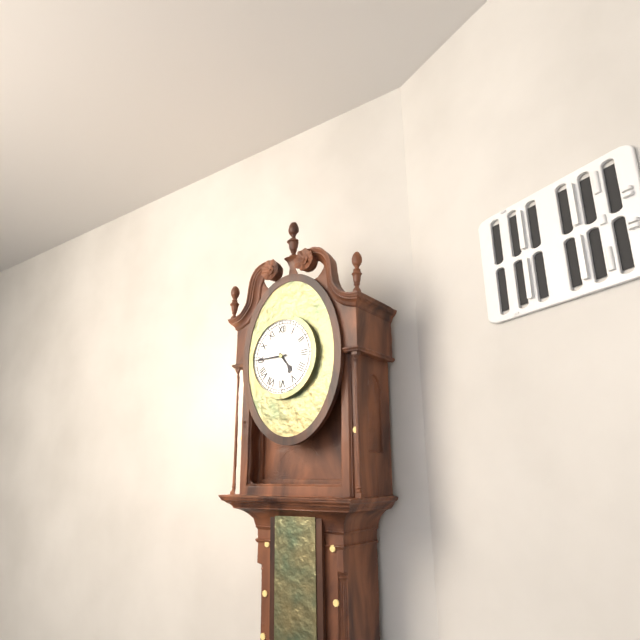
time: 4:45
